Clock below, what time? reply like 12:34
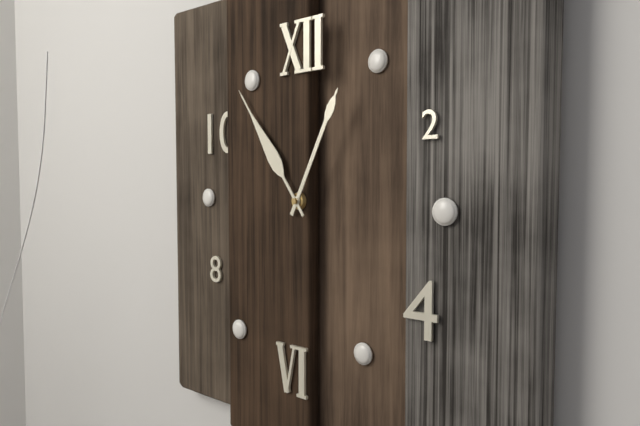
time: 12:54
